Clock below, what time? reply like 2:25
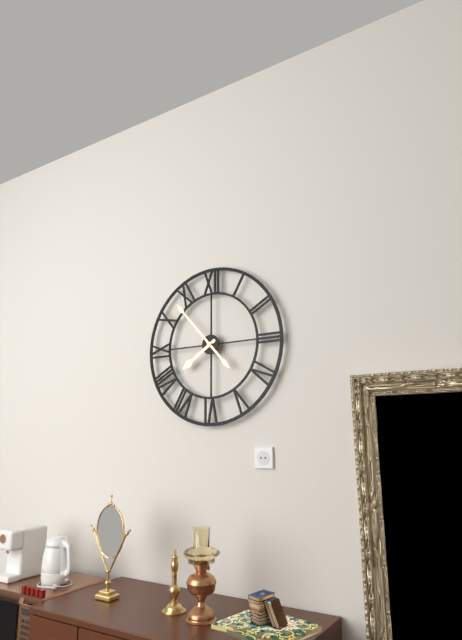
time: 7:53
